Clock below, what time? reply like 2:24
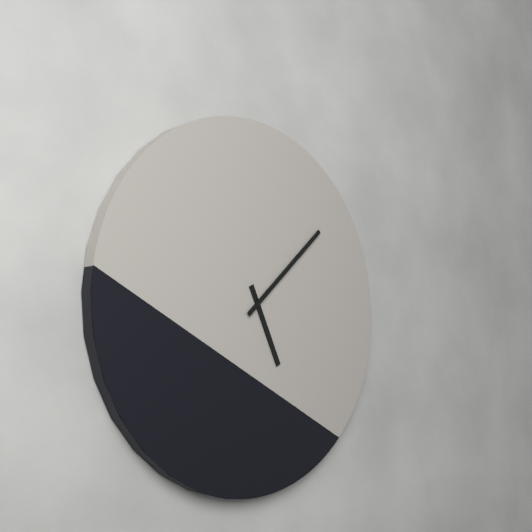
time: 5:08
